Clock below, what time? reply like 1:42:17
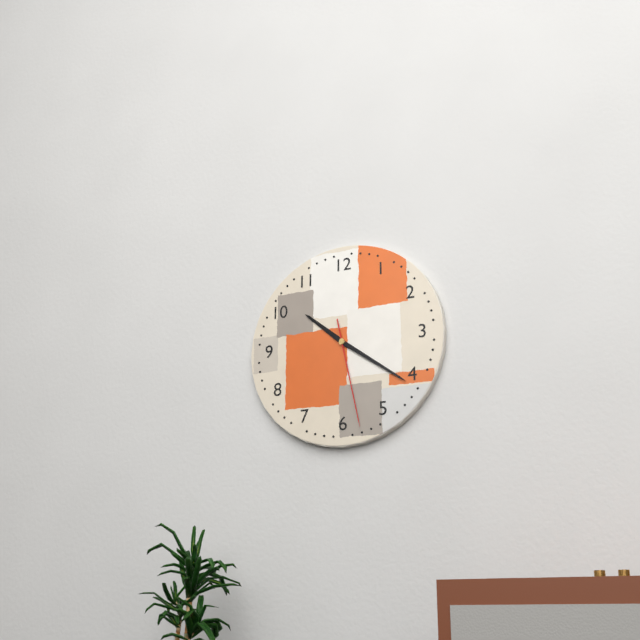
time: 10:21:28
